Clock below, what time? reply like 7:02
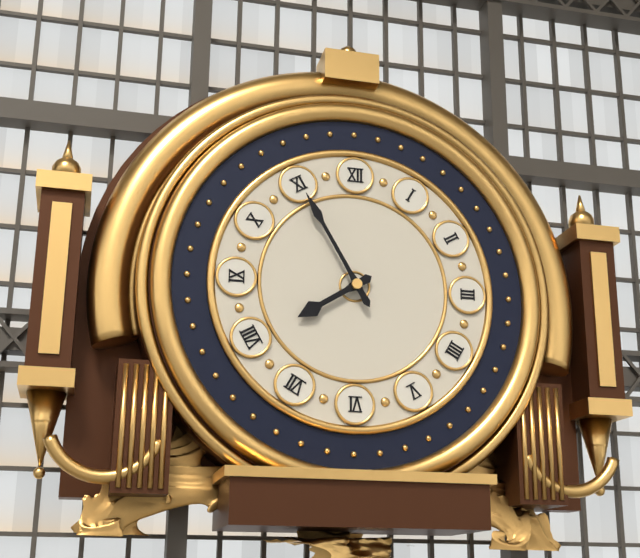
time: 7:55
